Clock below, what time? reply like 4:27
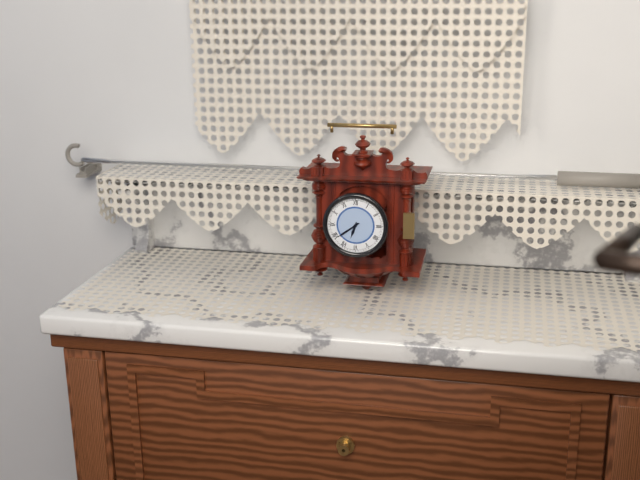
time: 6:39
